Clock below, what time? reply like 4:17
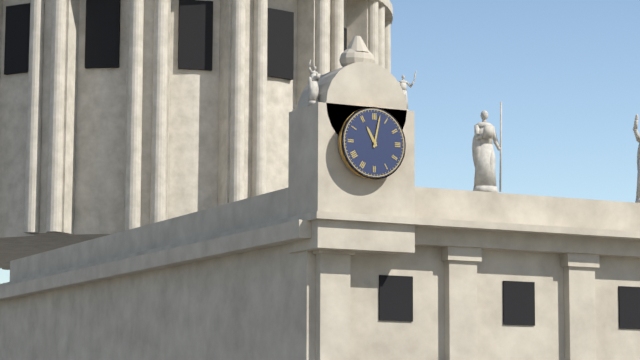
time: 11:02
